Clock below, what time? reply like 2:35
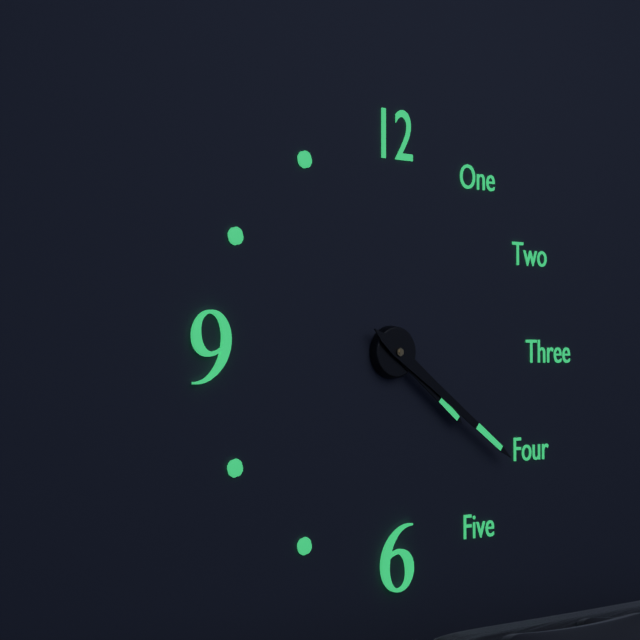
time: 4:21
